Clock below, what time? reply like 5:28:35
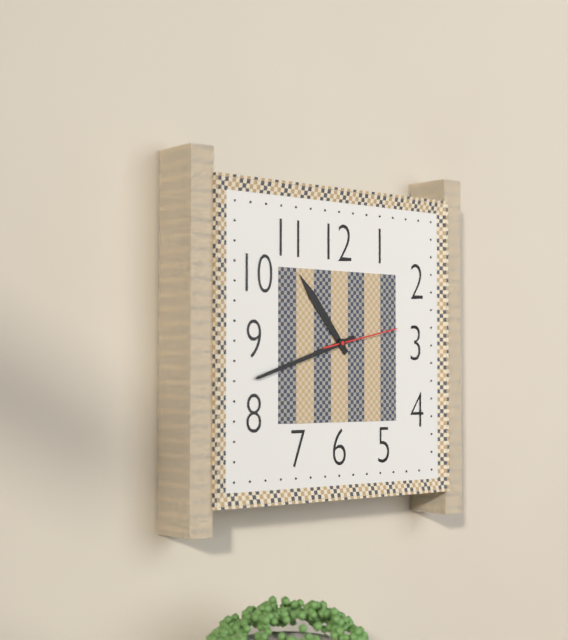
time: 10:42:13
